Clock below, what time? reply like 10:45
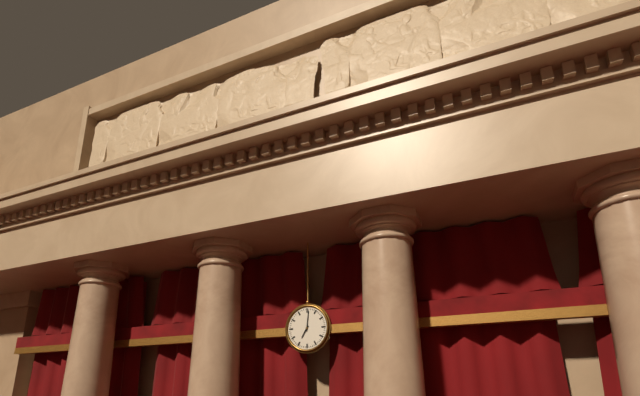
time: 7:01
